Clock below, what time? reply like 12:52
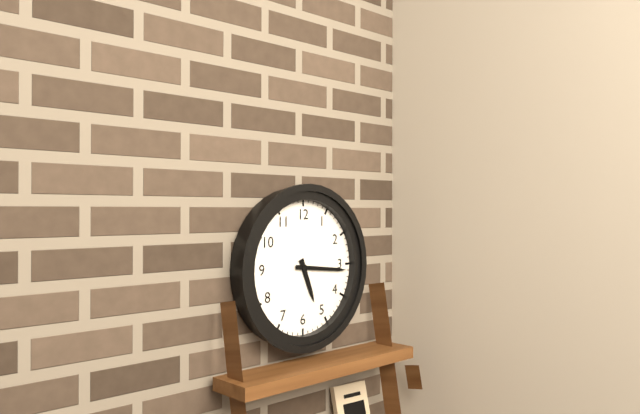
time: 5:16
